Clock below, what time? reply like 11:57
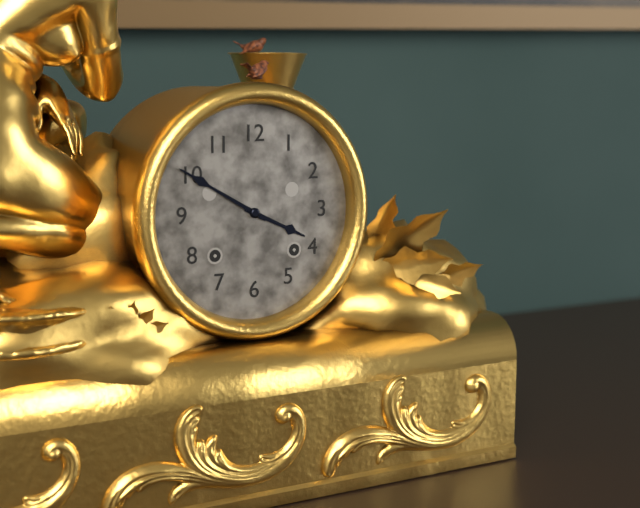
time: 3:50
